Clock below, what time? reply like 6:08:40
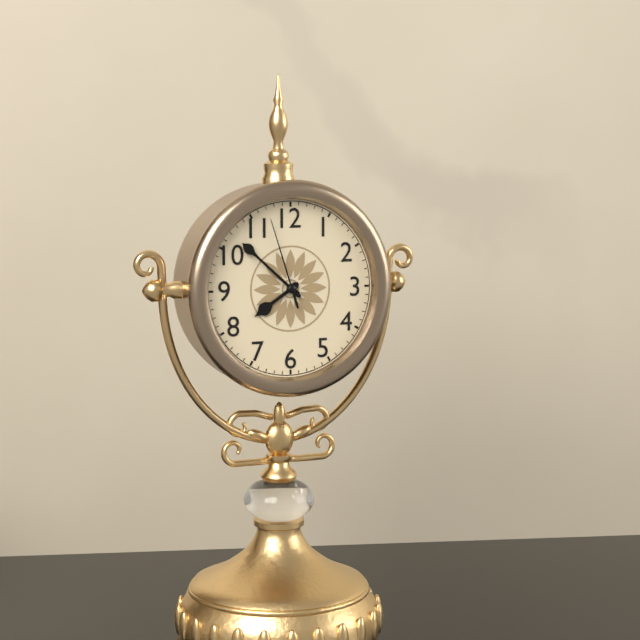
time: 7:52:57
